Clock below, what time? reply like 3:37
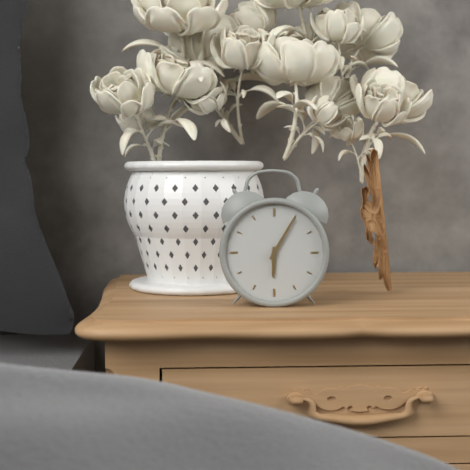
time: 6:05
